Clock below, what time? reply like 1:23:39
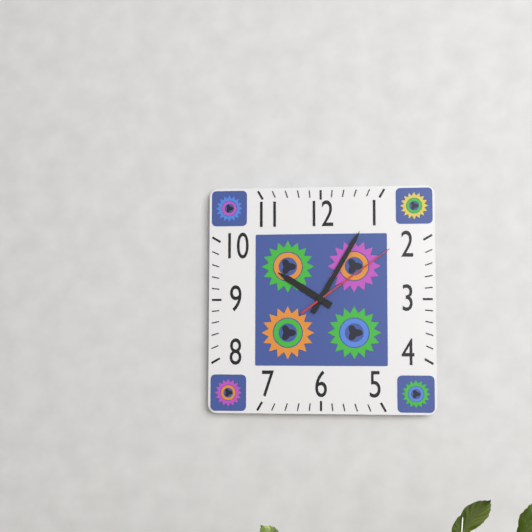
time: 10:05:09
